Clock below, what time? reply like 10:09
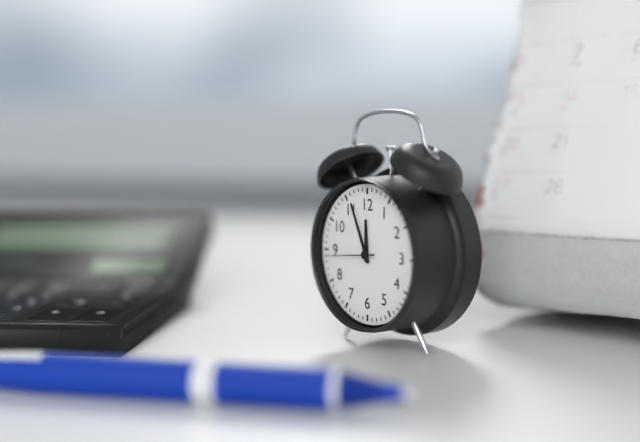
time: 11:56
